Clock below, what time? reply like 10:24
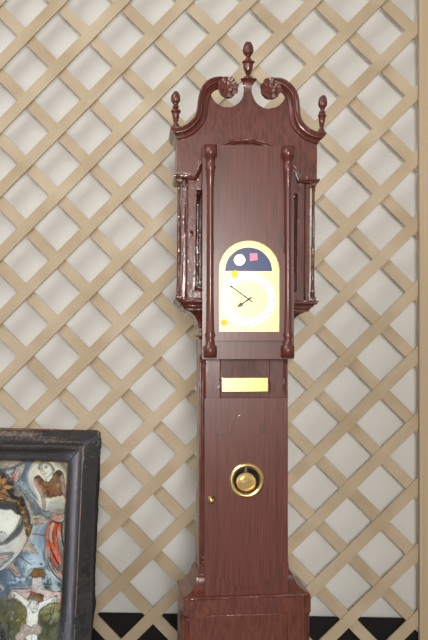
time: 7:51
